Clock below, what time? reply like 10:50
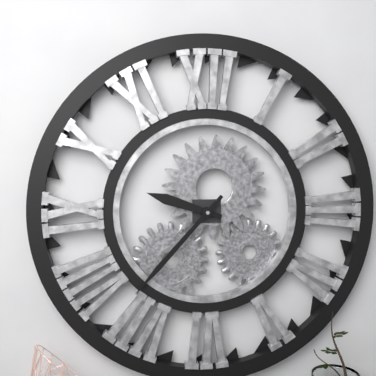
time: 9:37
